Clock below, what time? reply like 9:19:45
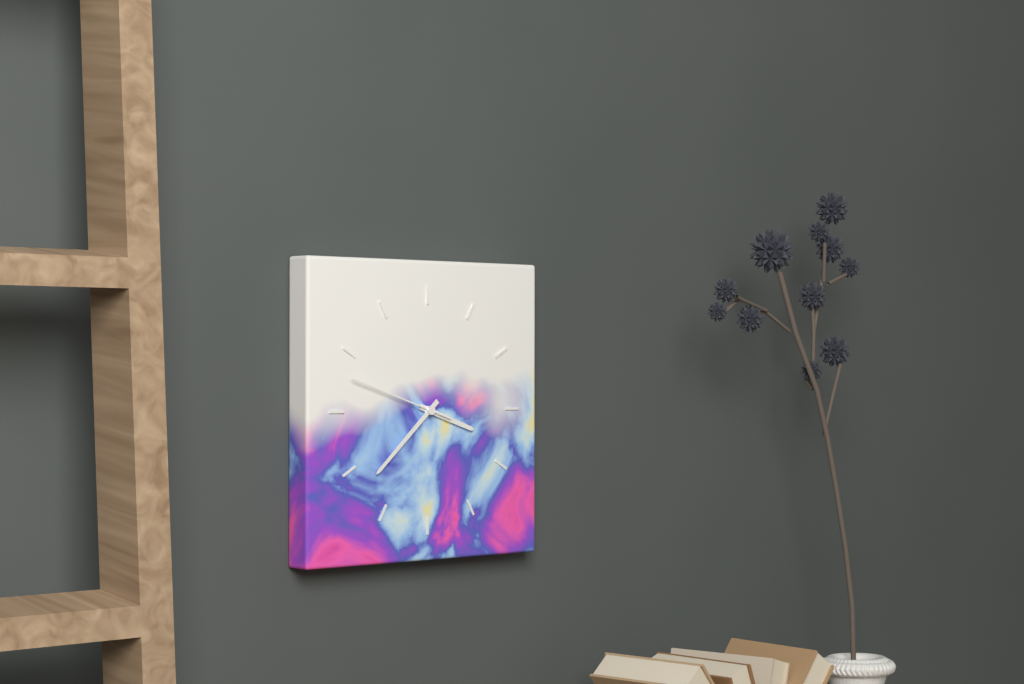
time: 3:38:48
